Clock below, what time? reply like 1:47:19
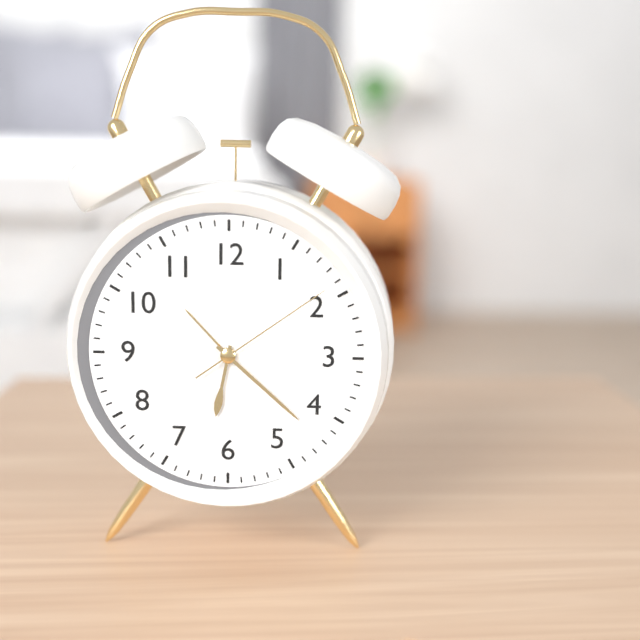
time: 6:22:09
